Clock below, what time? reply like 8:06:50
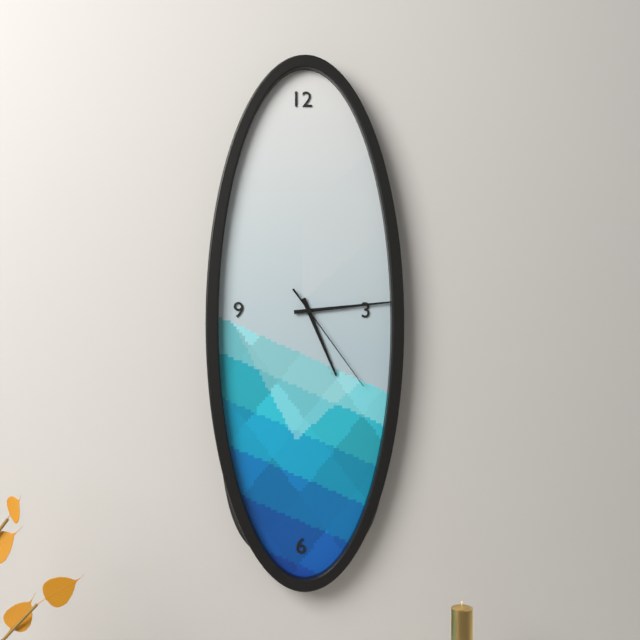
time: 5:14:24
